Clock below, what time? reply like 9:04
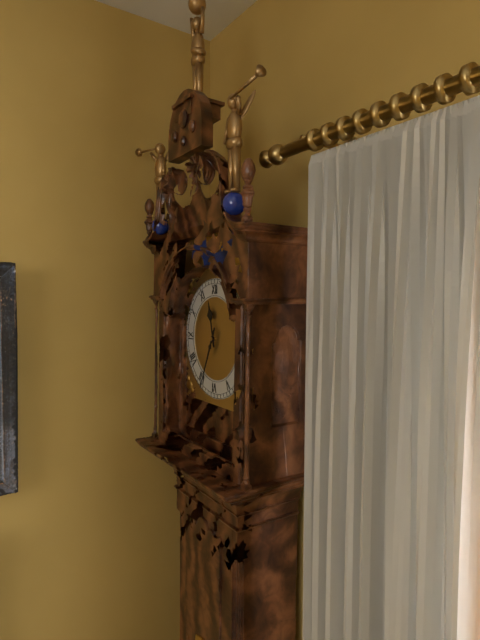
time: 11:34
